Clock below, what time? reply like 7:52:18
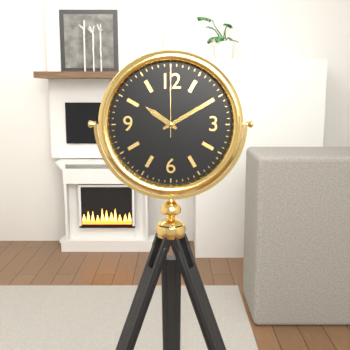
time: 10:10:00
